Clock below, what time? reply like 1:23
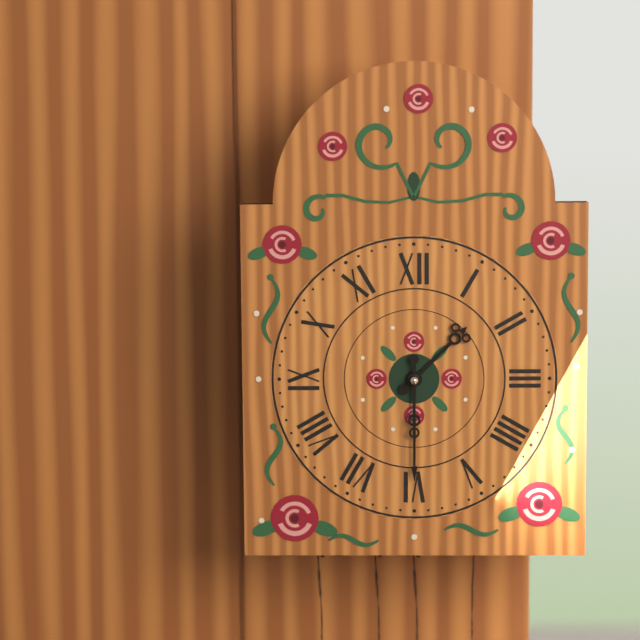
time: 1:30
